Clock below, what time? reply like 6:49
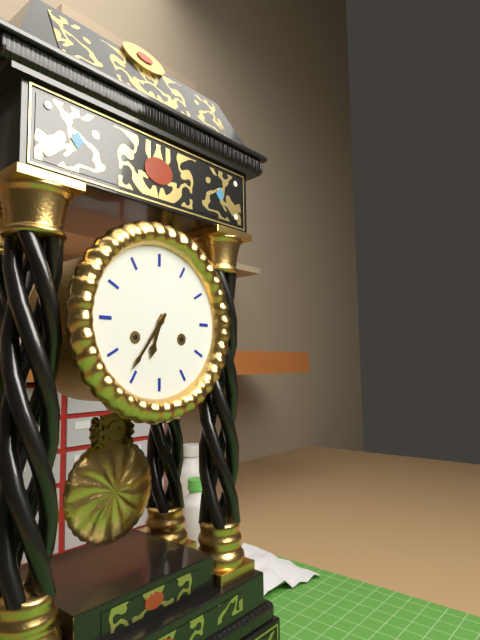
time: 6:36
